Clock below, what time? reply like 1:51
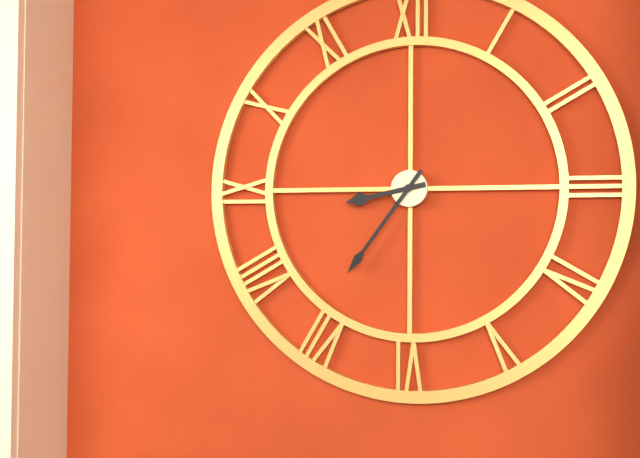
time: 8:36
